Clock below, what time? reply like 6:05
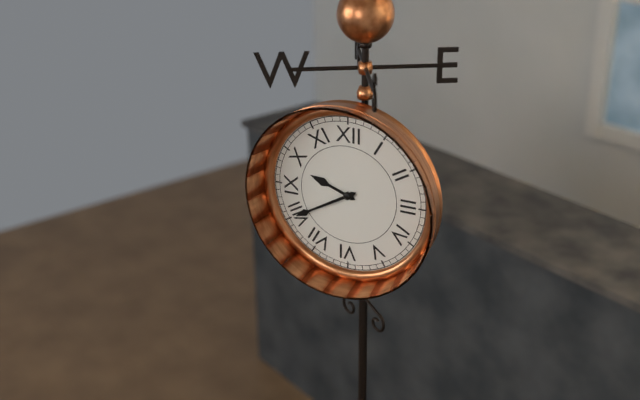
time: 9:40
